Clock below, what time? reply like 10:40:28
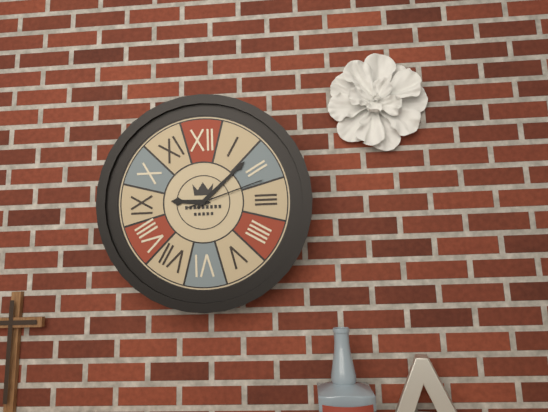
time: 9:08:12
